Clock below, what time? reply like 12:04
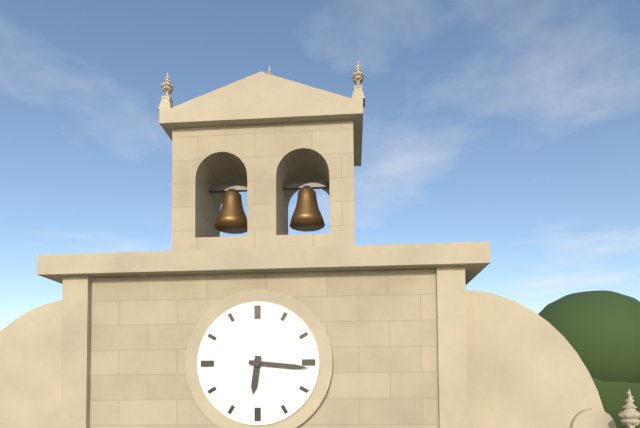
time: 6:16
